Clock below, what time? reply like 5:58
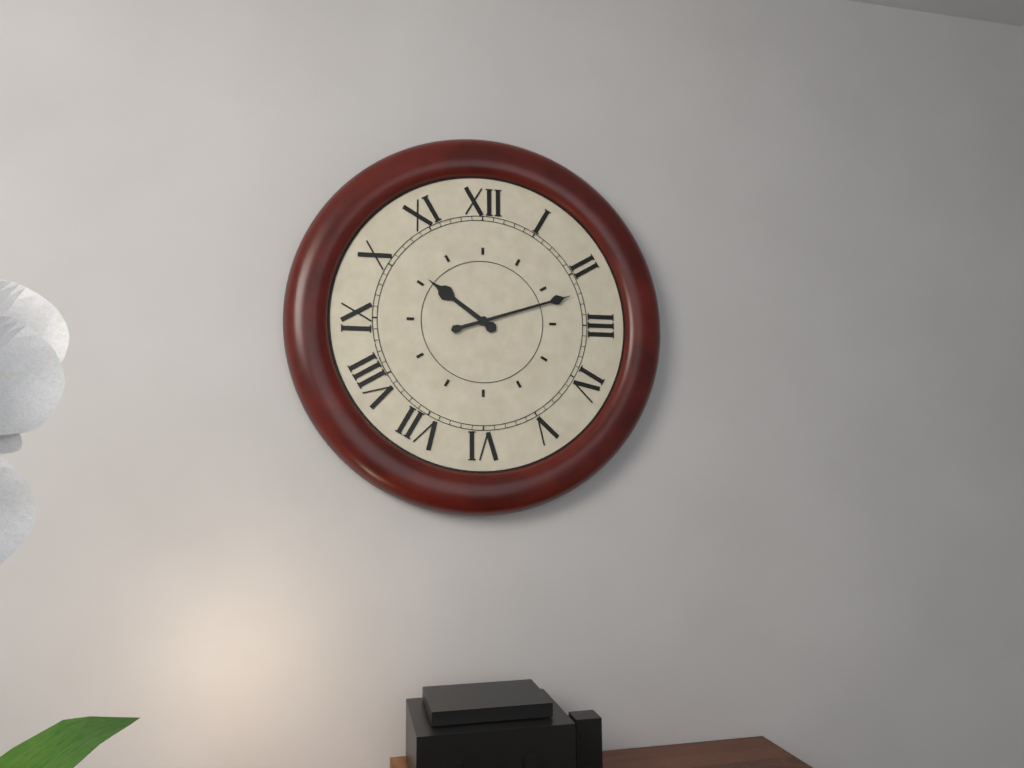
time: 10:12
